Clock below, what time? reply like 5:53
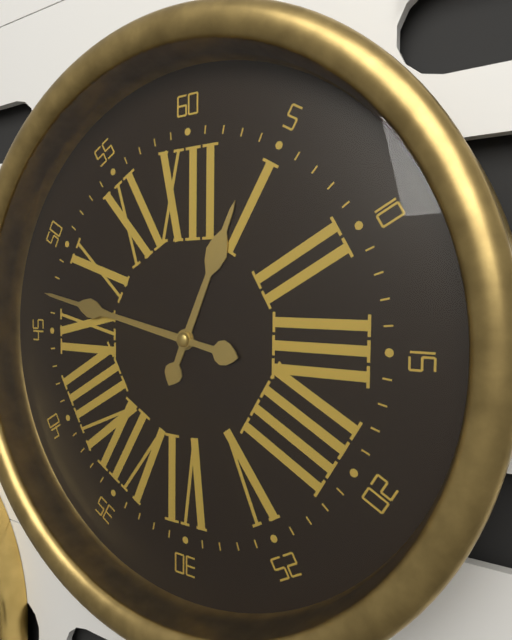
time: 12:47
